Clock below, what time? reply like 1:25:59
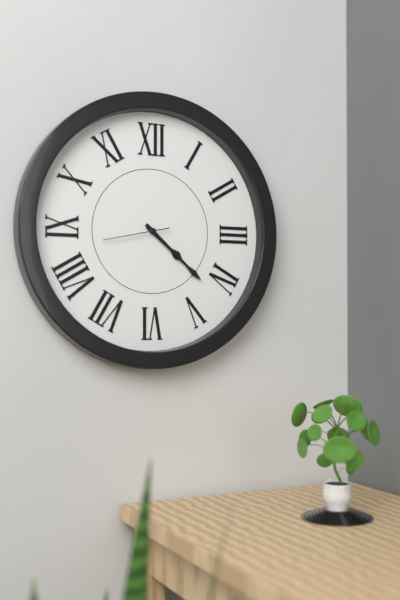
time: 4:22:43
